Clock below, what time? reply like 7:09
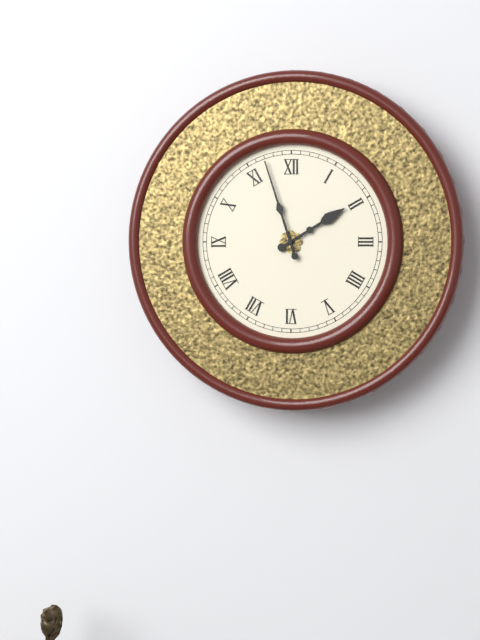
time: 1:57
